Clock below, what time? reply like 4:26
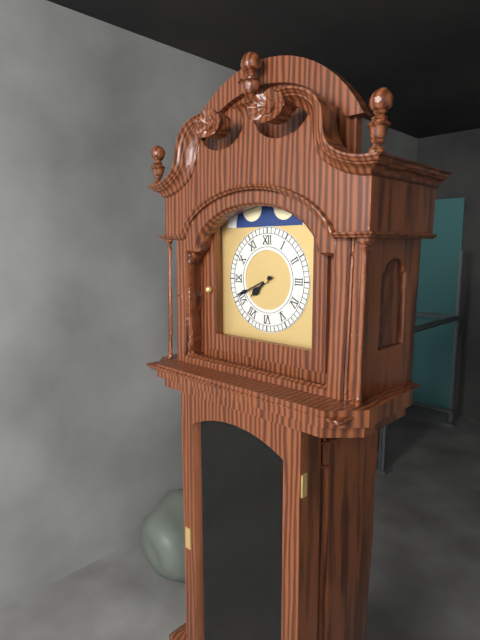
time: 7:41
